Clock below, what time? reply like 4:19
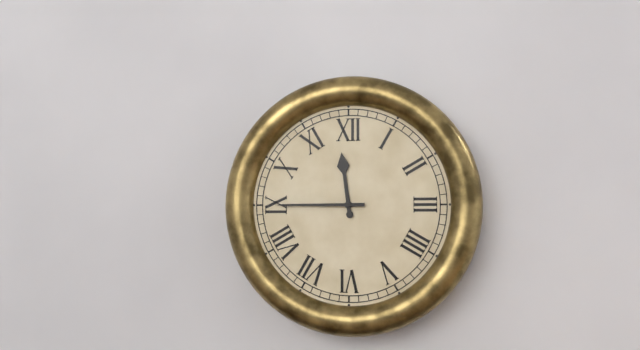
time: 11:45
